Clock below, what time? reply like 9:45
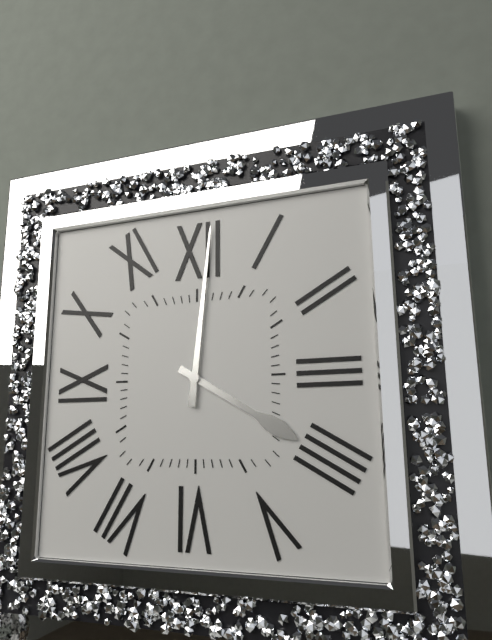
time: 4:01
